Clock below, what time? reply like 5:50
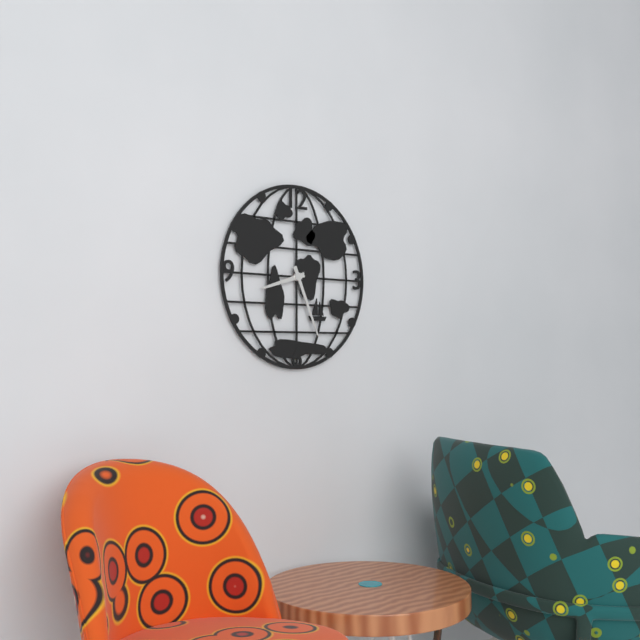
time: 8:26
